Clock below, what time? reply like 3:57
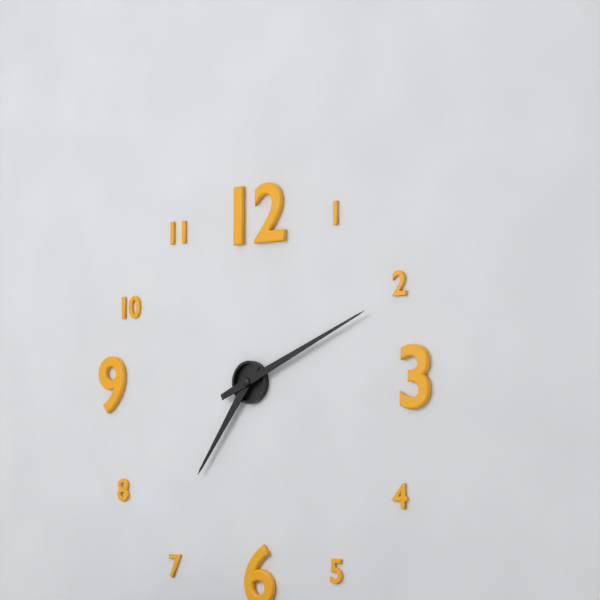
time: 7:11
